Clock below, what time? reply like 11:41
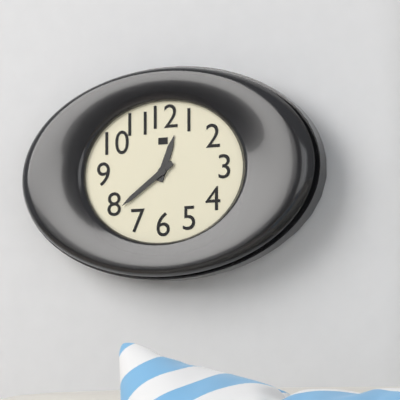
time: 12:39
